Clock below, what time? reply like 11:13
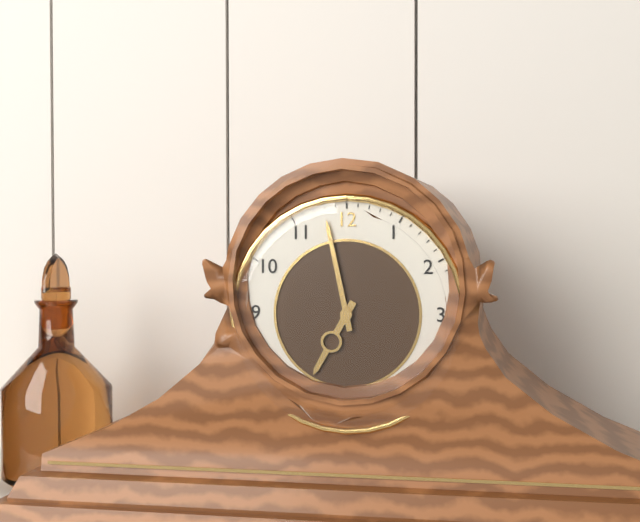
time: 6:58
